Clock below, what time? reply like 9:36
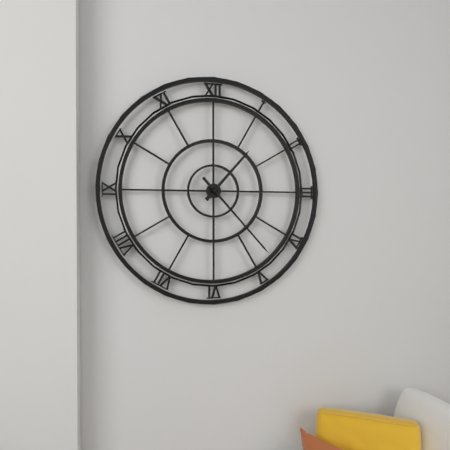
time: 1:23
